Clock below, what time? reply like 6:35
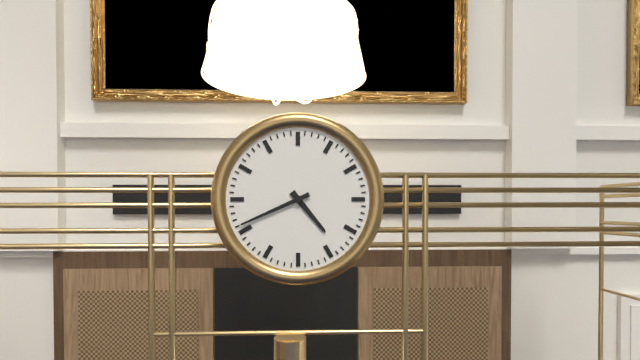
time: 4:41
